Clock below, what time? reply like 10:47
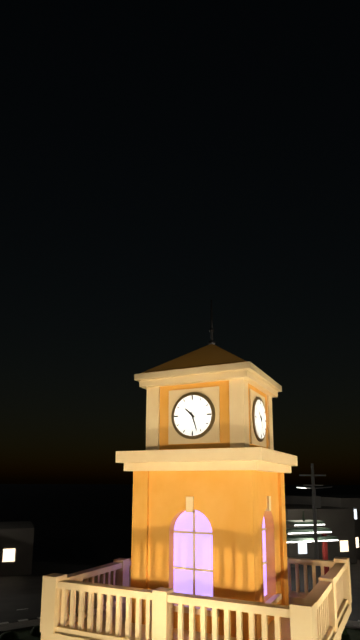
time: 10:27
